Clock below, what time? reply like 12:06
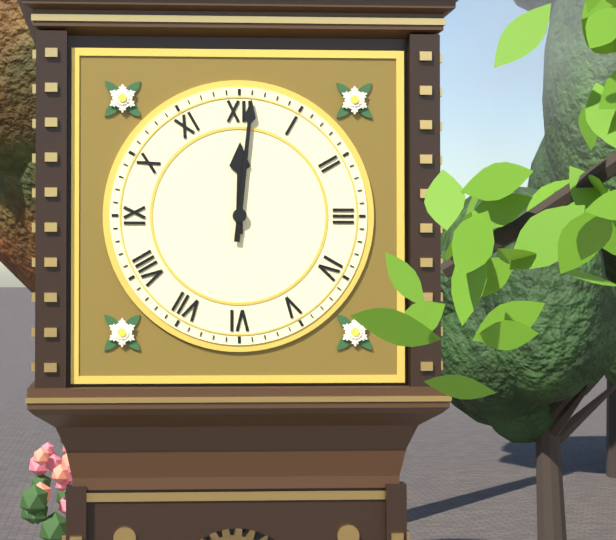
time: 12:01
